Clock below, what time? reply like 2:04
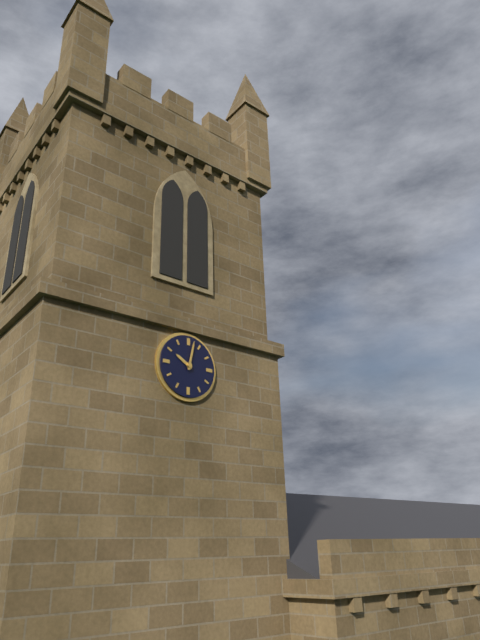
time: 10:02
